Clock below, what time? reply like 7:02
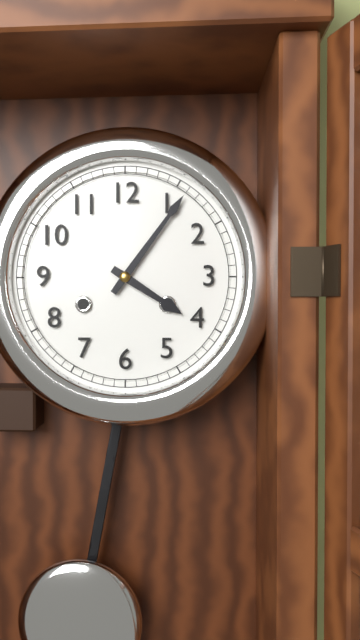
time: 4:06
